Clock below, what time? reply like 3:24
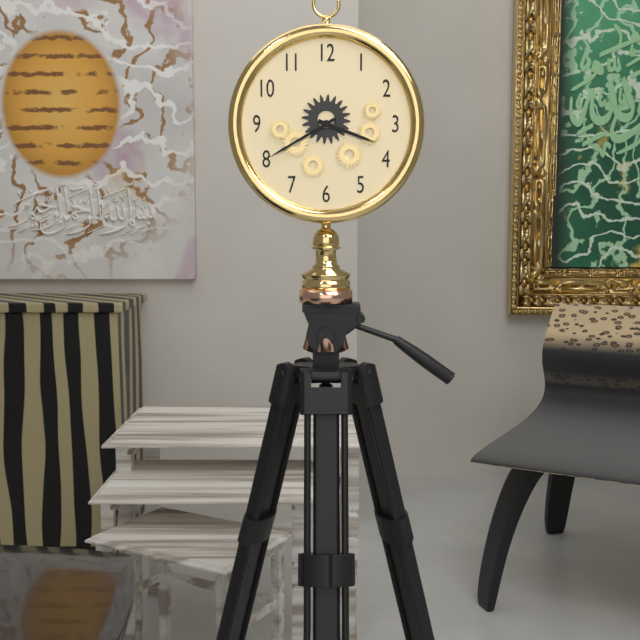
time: 3:40
